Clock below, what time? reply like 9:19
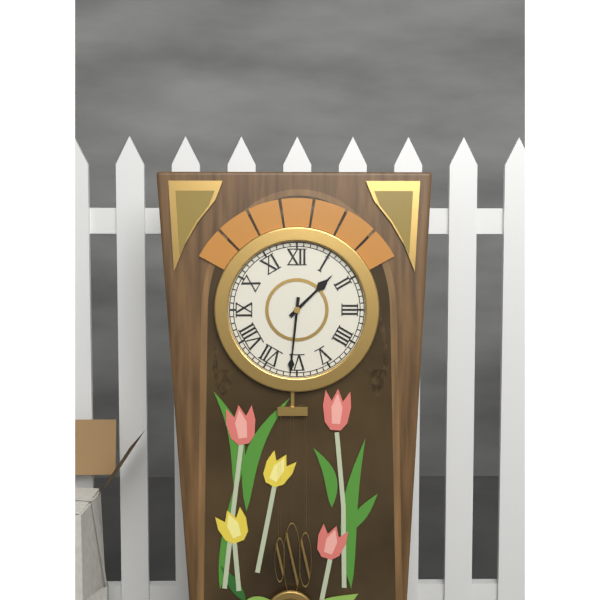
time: 1:31
